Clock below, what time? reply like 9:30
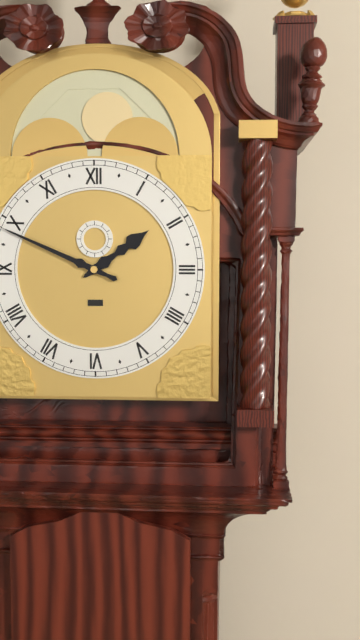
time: 1:49
